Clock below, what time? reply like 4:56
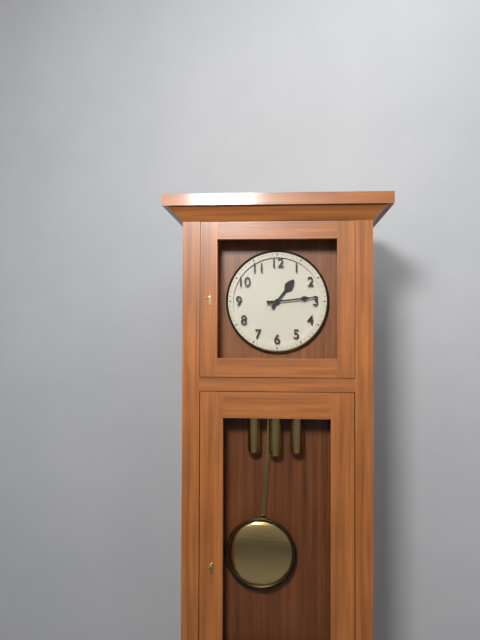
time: 1:14
